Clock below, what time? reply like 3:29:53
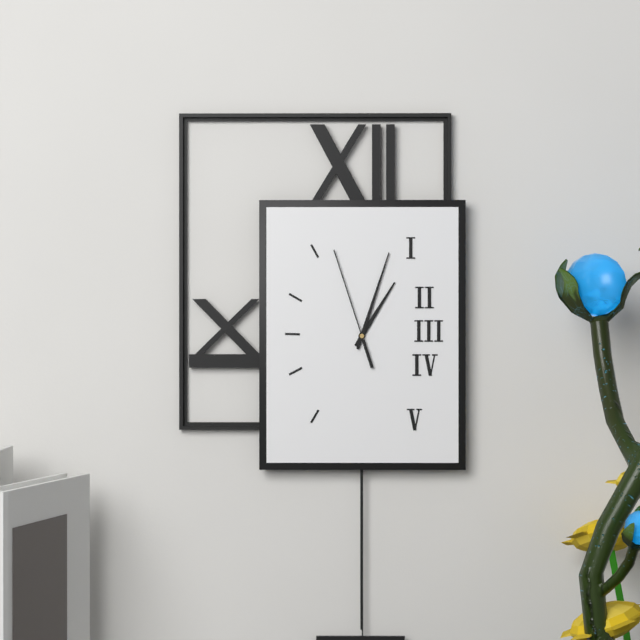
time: 1:03:57
